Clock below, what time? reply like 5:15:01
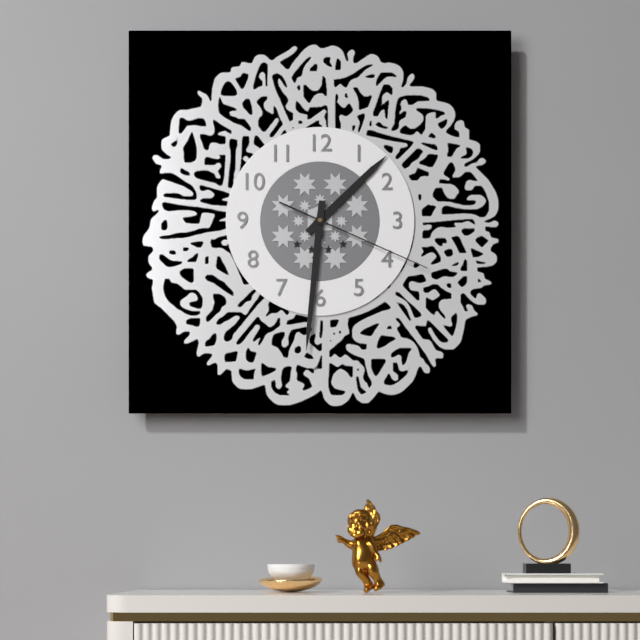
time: 1:31:19
